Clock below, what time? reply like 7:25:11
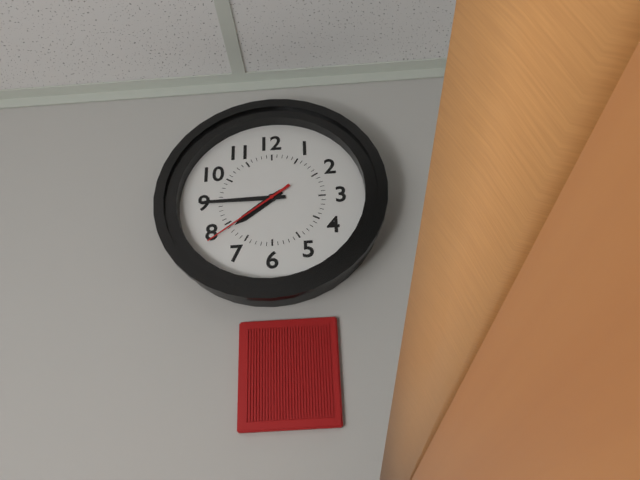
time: 7:45:39
